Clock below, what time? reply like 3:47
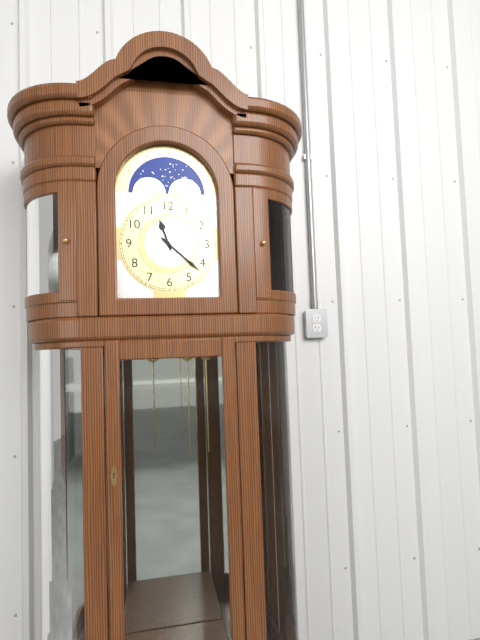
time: 11:22
